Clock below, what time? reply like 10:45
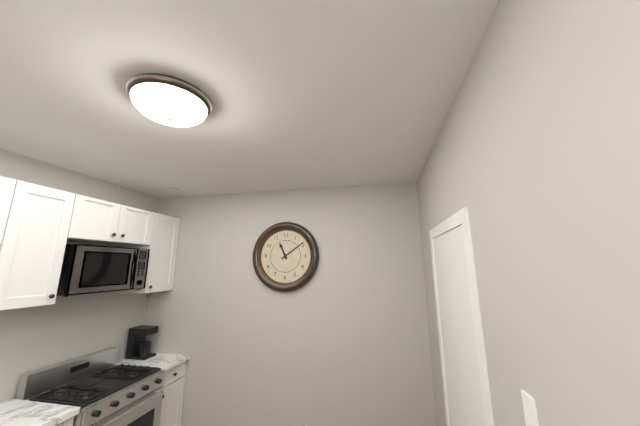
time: 11:09
